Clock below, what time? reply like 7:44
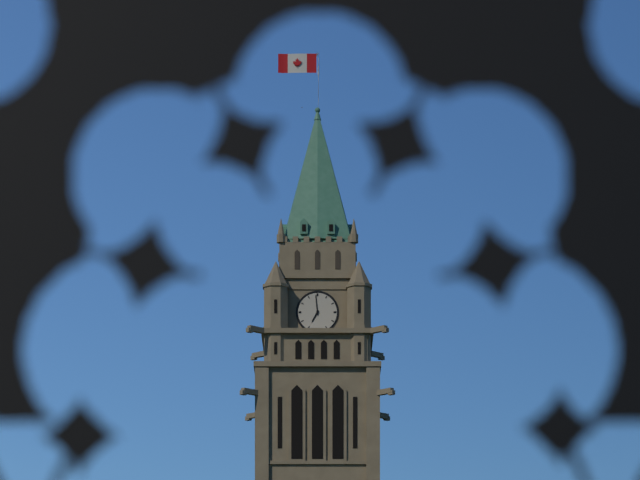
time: 6:59
